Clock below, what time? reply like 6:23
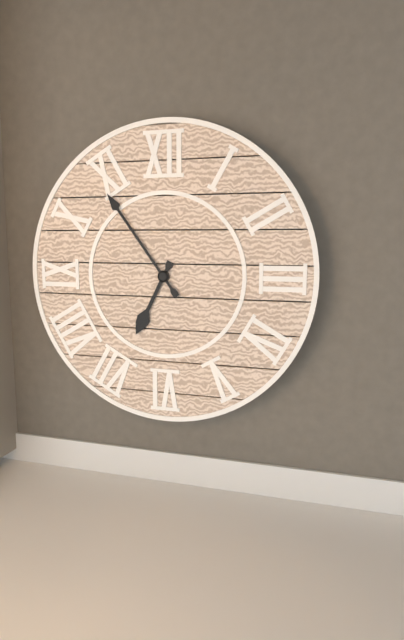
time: 6:54
